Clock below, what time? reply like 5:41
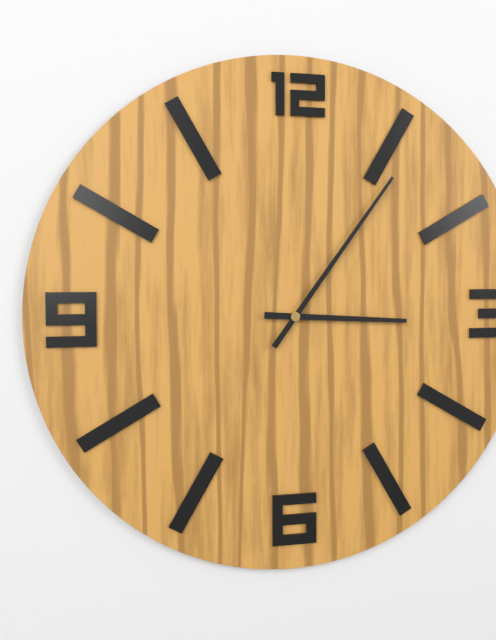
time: 3:06
